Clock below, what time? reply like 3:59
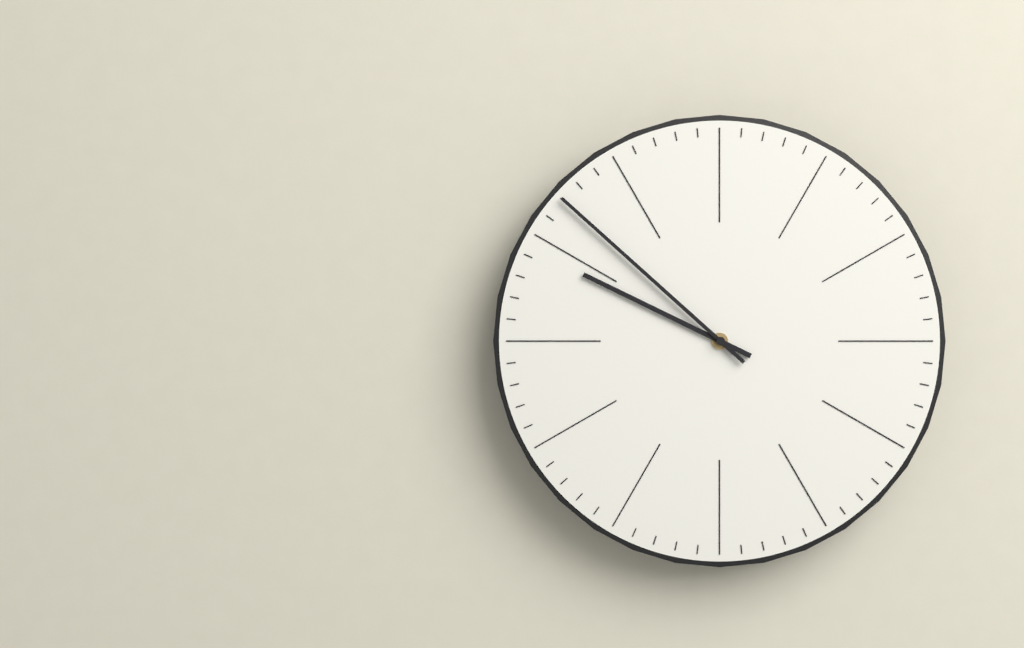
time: 9:52
